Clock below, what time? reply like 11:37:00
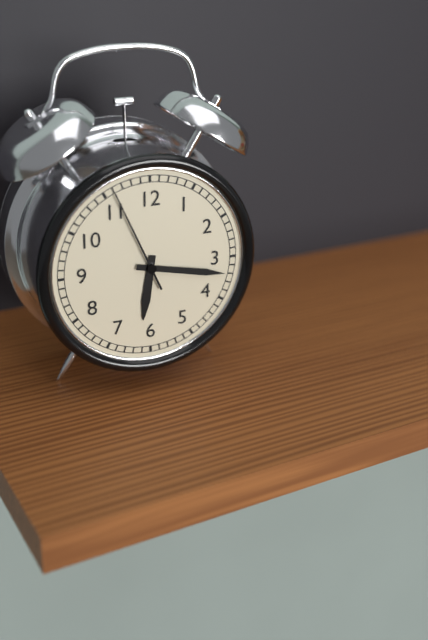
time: 6:17:56
